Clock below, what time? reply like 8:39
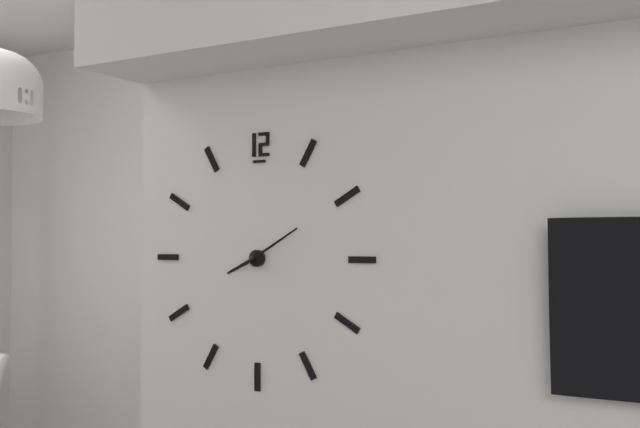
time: 8:10
